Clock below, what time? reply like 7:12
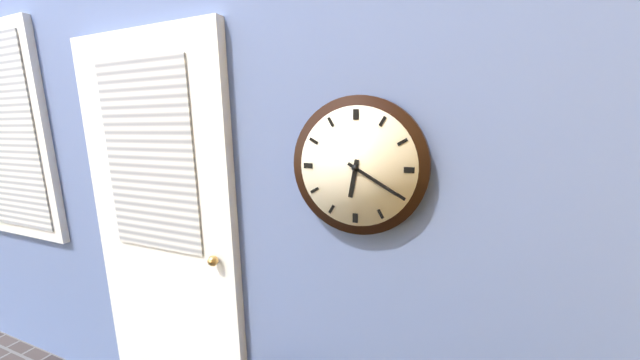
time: 6:20
